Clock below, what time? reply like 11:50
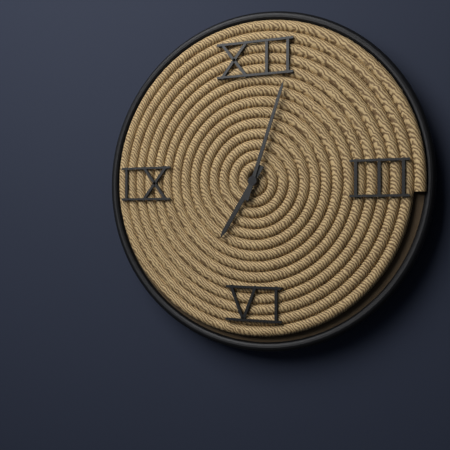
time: 7:03
